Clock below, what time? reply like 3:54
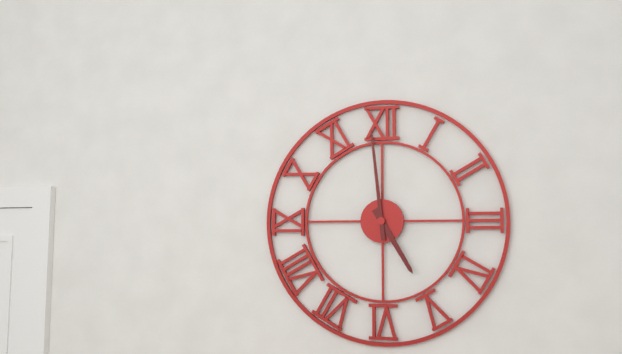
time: 4:59
